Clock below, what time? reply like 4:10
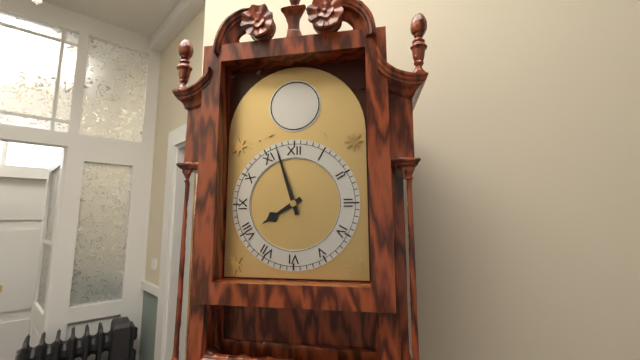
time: 7:57
